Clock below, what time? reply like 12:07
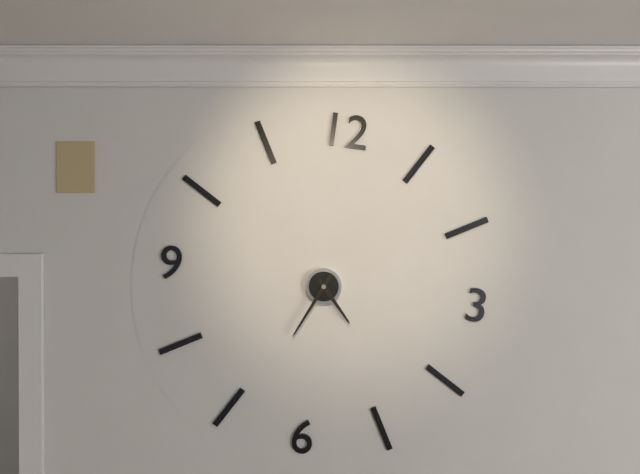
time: 4:34
